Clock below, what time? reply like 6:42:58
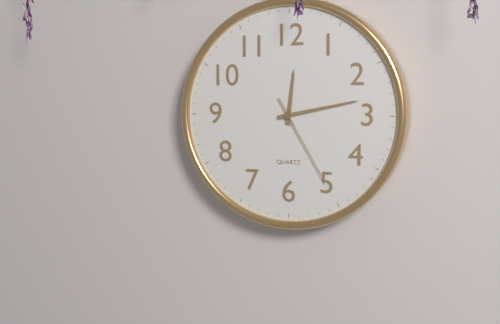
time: 12:13:25
